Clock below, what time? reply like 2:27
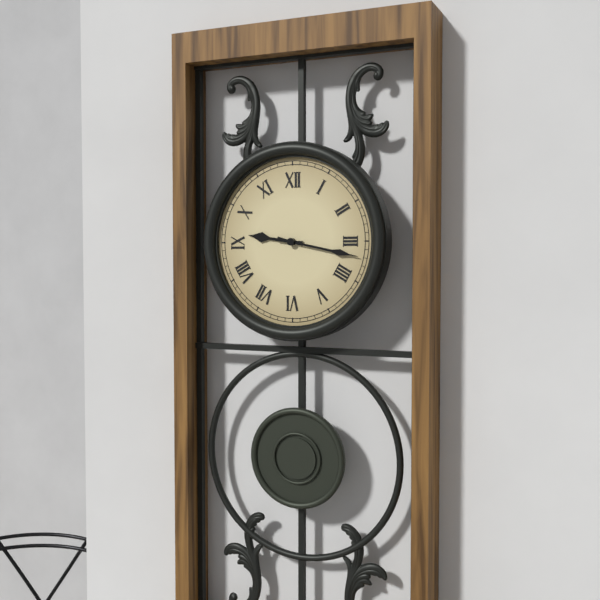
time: 9:17
